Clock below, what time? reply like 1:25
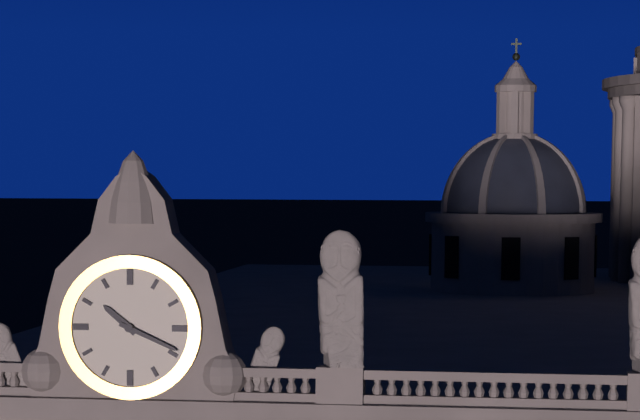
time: 10:19
